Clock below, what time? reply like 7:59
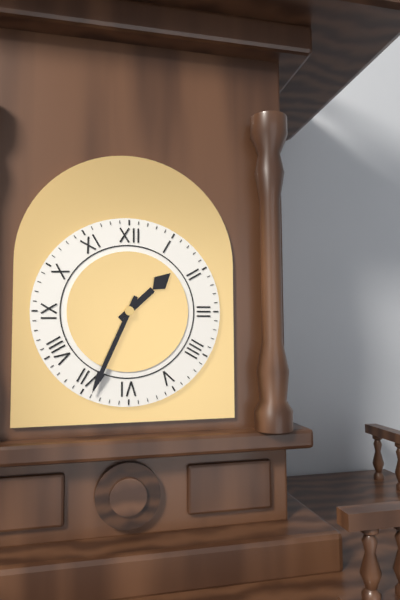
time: 1:34
